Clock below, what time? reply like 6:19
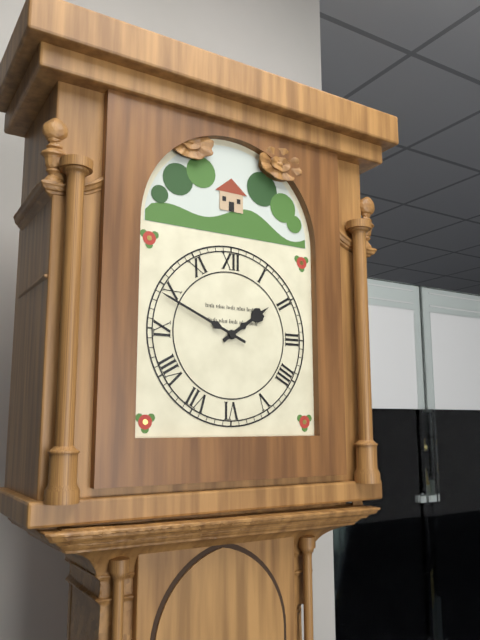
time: 1:49
